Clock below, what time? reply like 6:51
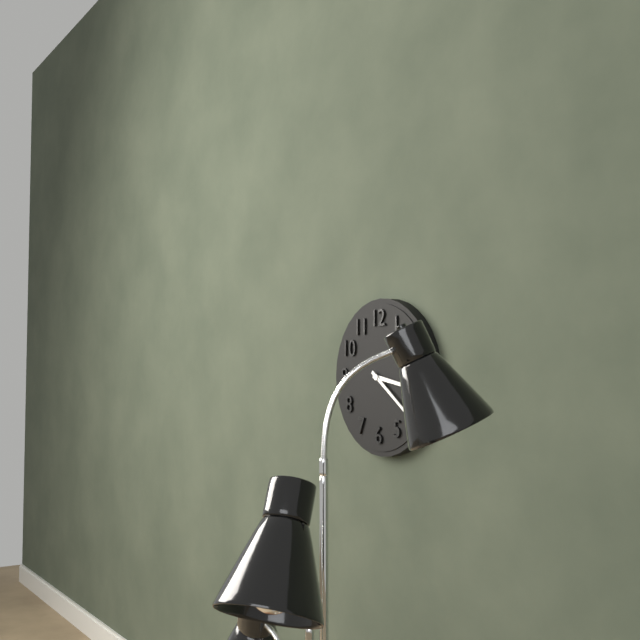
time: 3:21
